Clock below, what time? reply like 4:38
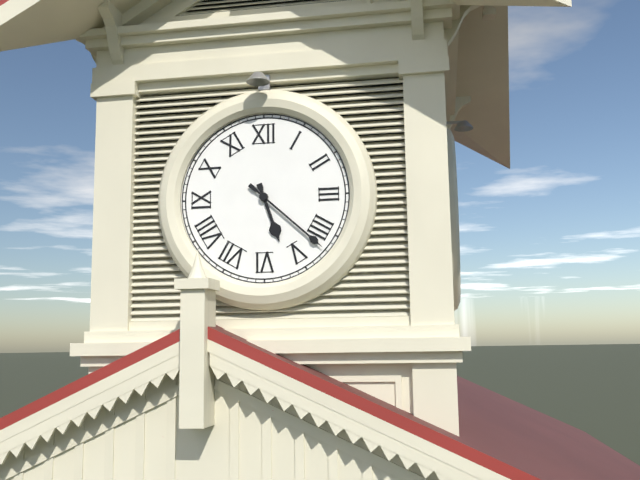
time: 5:22
